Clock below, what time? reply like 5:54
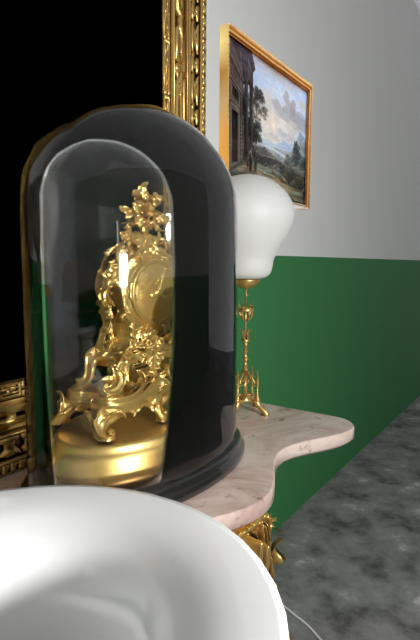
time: 5:05
